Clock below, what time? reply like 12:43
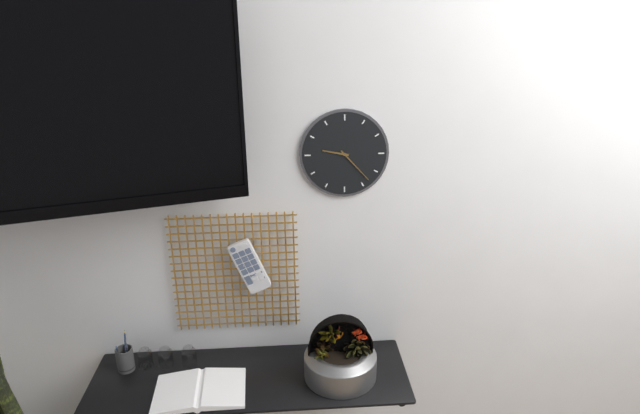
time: 9:23
